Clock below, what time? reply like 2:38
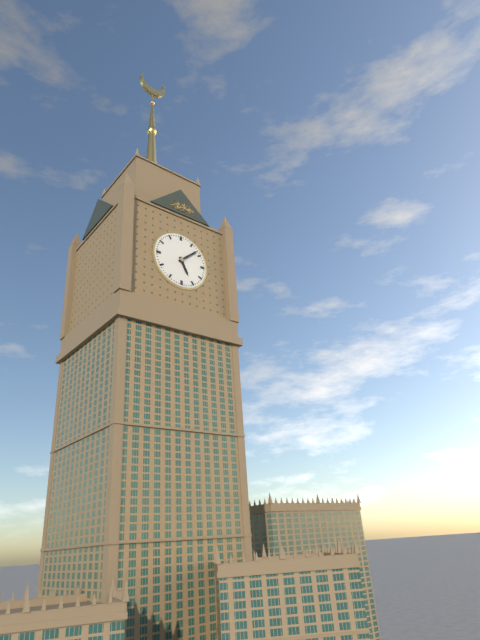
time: 5:08
